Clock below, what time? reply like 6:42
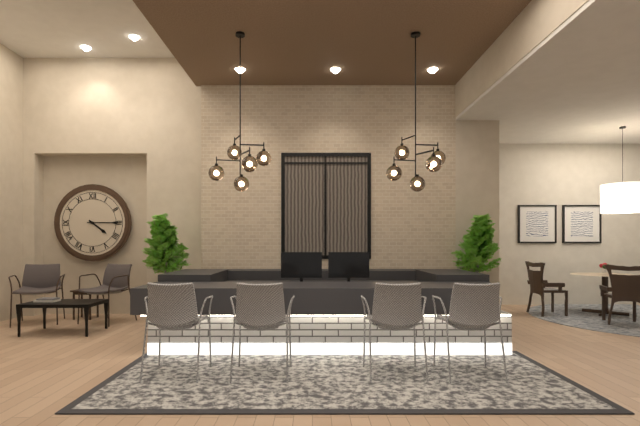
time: 4:15
